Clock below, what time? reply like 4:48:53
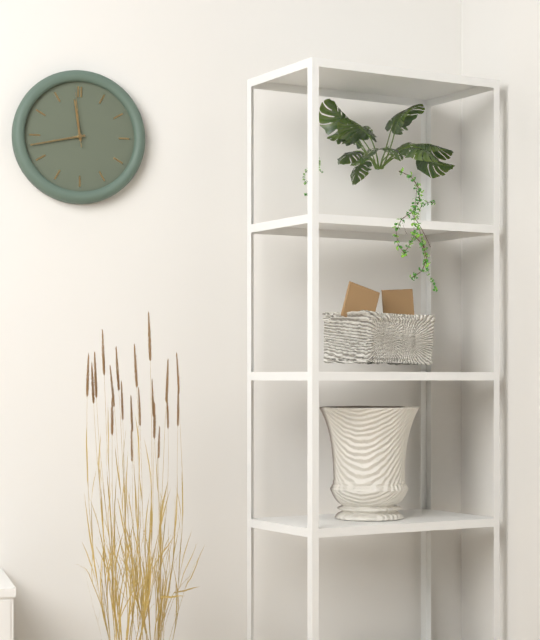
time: 11:43:59
